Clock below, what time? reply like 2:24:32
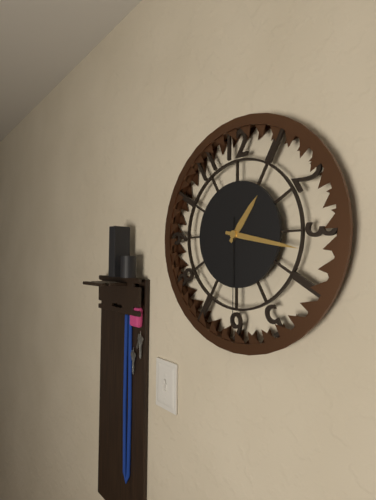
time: 1:17:30
